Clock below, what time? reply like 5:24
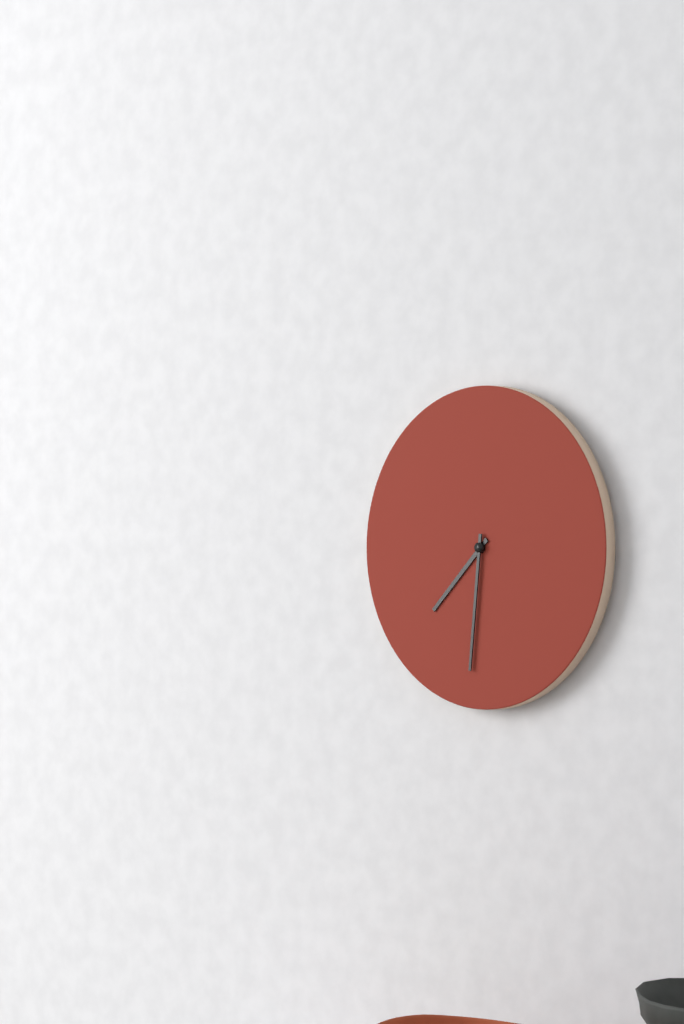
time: 7:31
